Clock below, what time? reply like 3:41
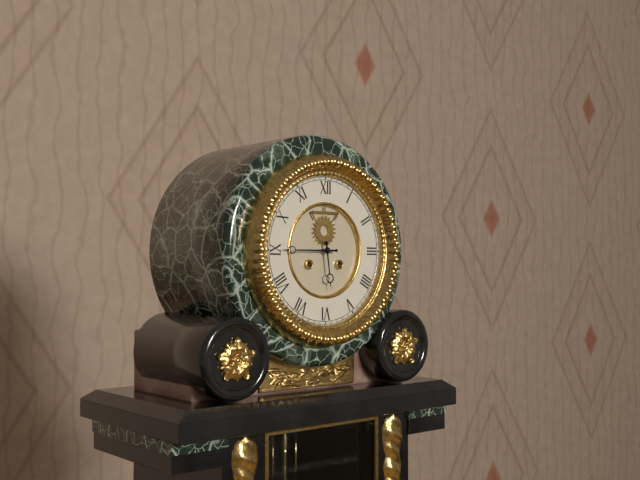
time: 5:45
